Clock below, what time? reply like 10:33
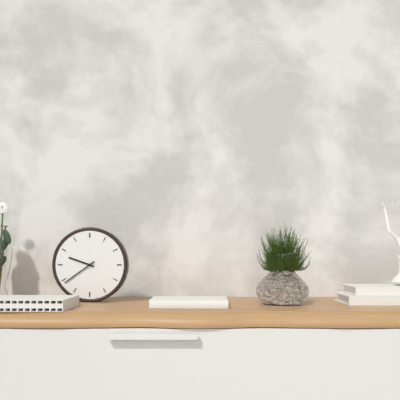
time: 9:39
